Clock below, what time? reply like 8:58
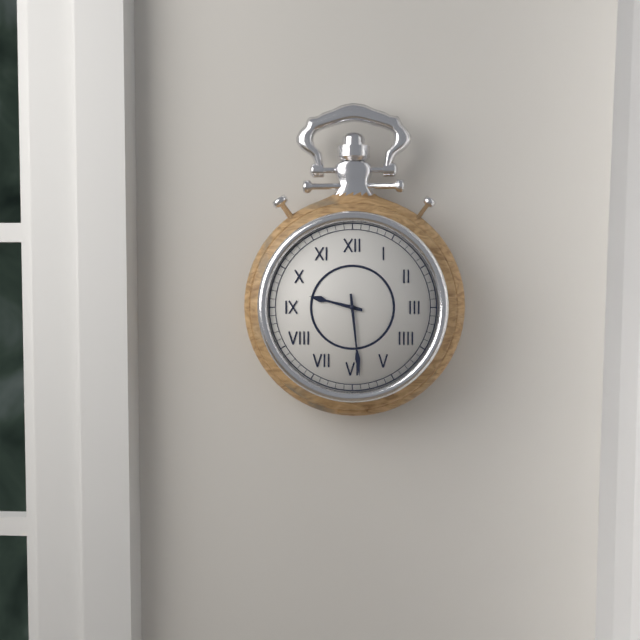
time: 9:29
